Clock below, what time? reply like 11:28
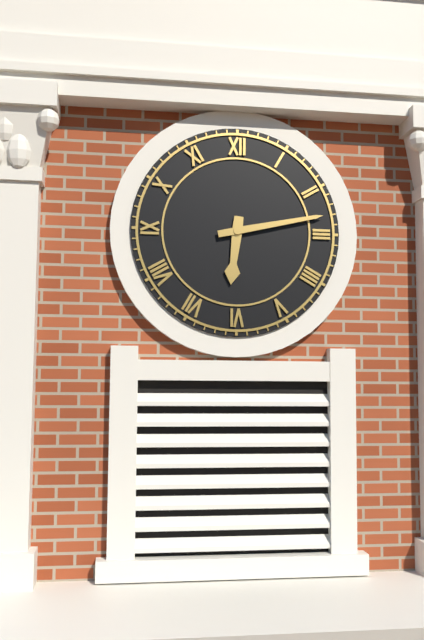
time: 6:13
